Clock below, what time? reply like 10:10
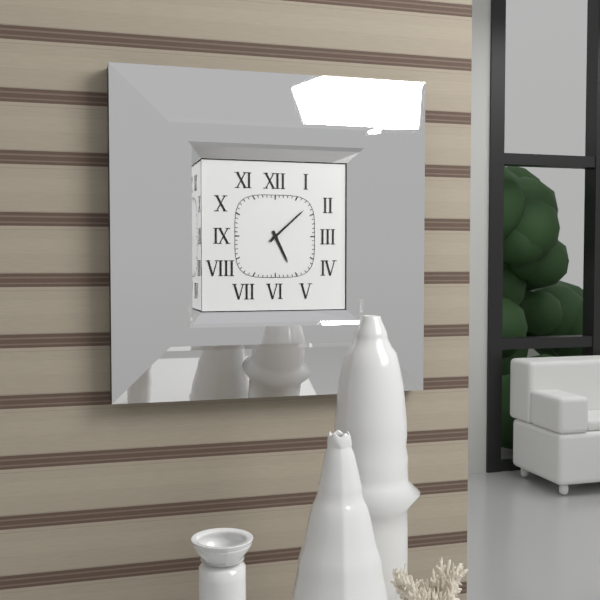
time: 5:08
